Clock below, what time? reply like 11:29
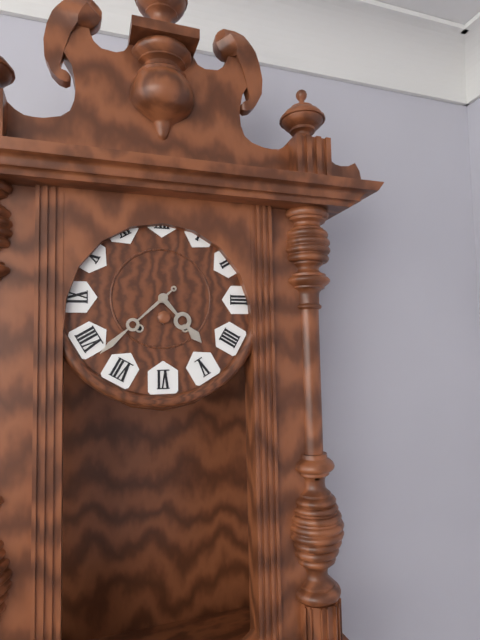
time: 4:38
